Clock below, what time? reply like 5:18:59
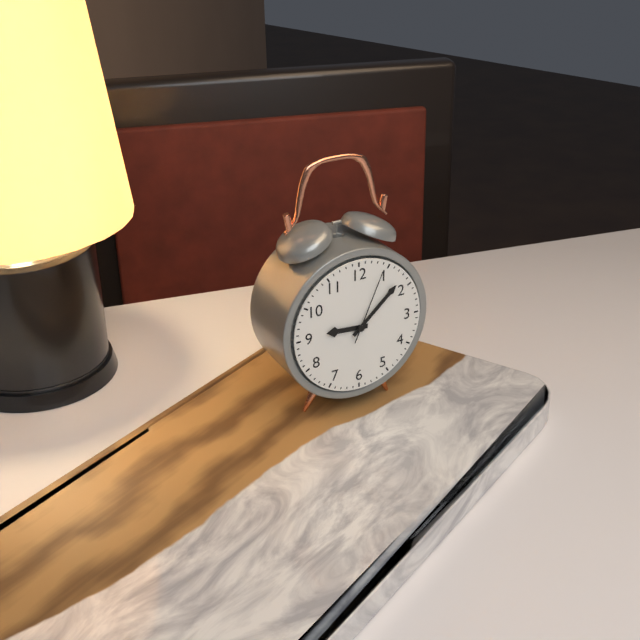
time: 9:08:04
